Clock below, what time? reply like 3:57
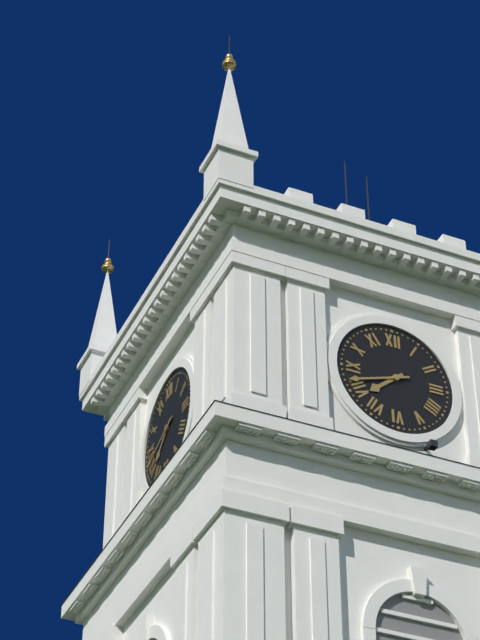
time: 7:42
